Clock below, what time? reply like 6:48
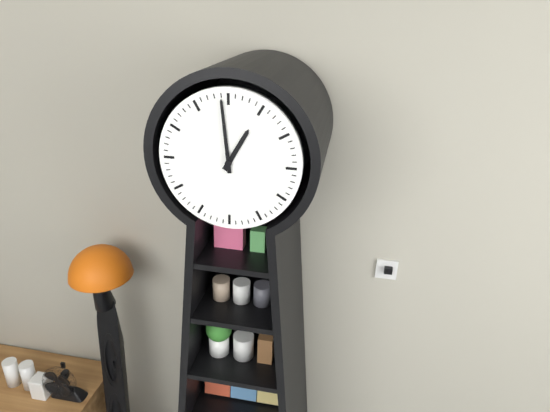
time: 12:59
